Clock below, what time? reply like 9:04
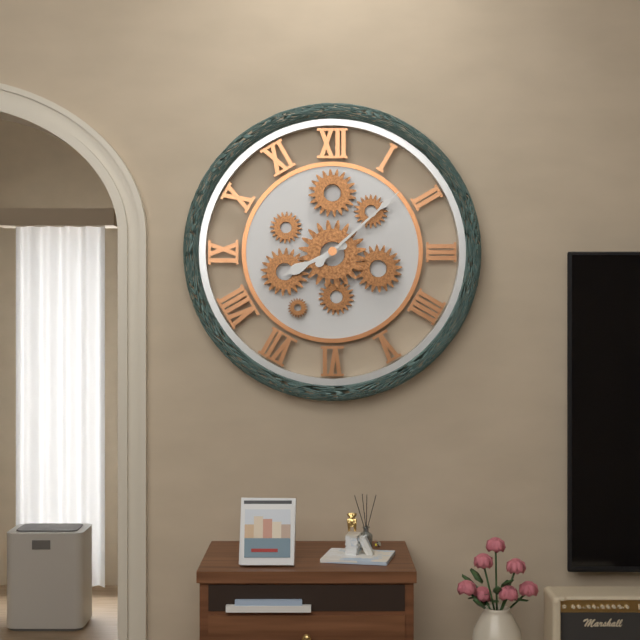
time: 8:08
